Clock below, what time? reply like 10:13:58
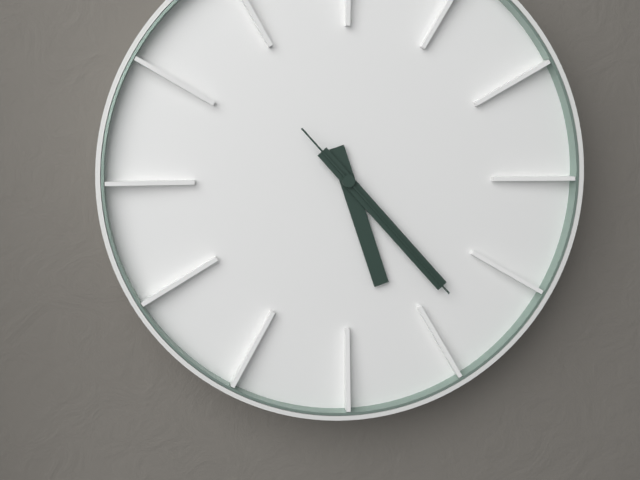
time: 5:23:23
